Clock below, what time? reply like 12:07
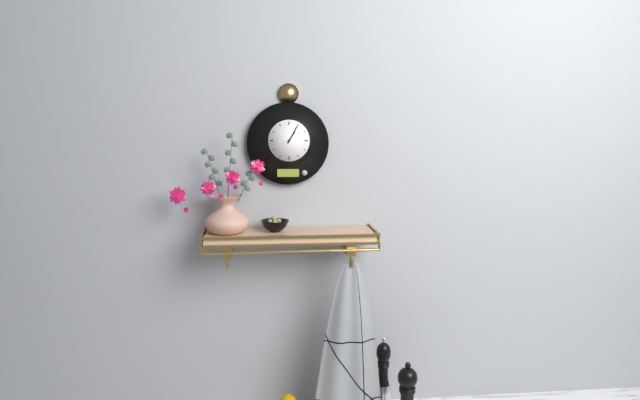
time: 1:05
